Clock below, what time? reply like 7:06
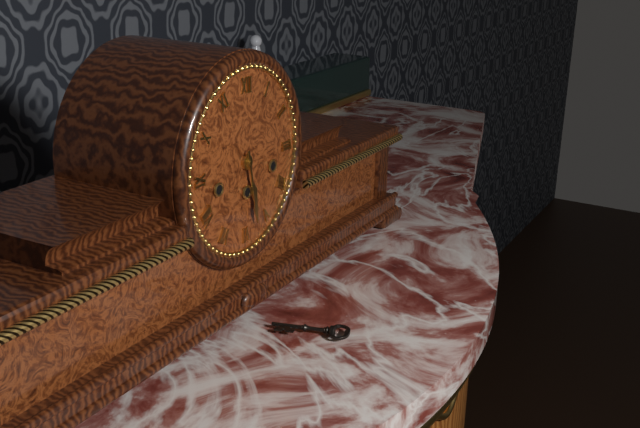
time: 5:28
